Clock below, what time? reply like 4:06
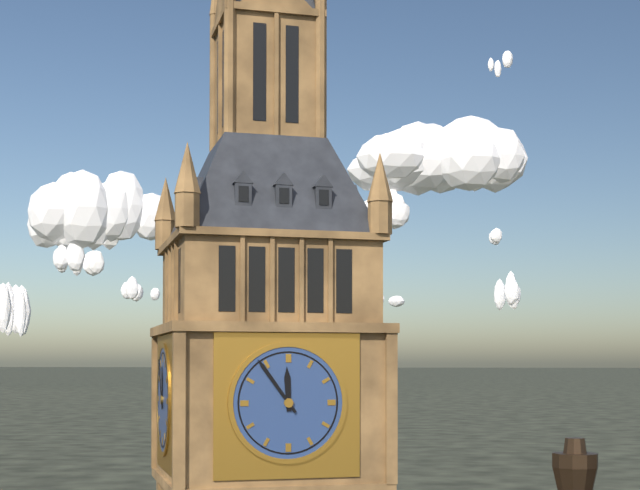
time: 11:54
